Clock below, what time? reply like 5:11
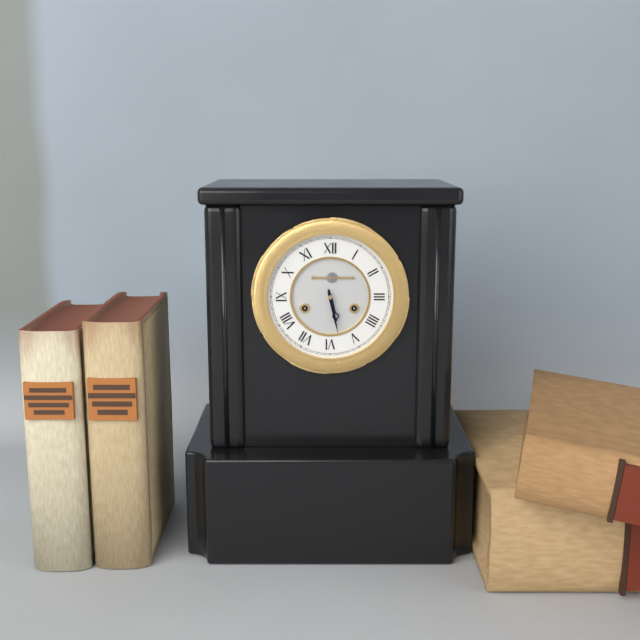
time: 5:28
